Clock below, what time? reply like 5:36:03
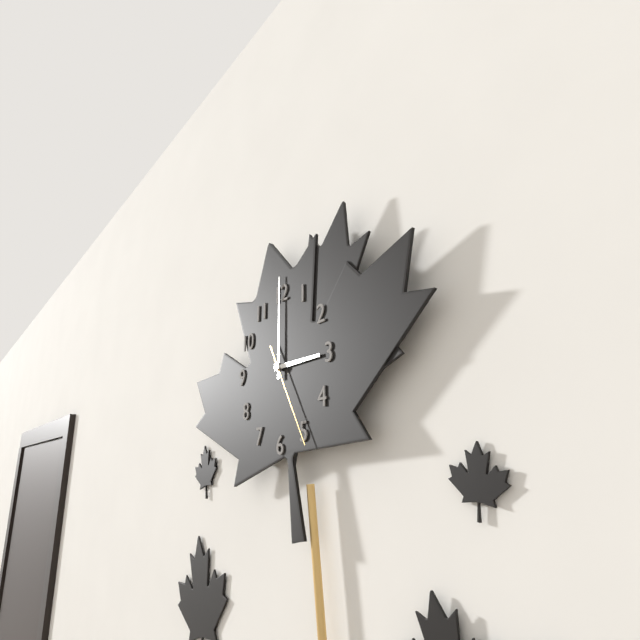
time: 3:00:25
